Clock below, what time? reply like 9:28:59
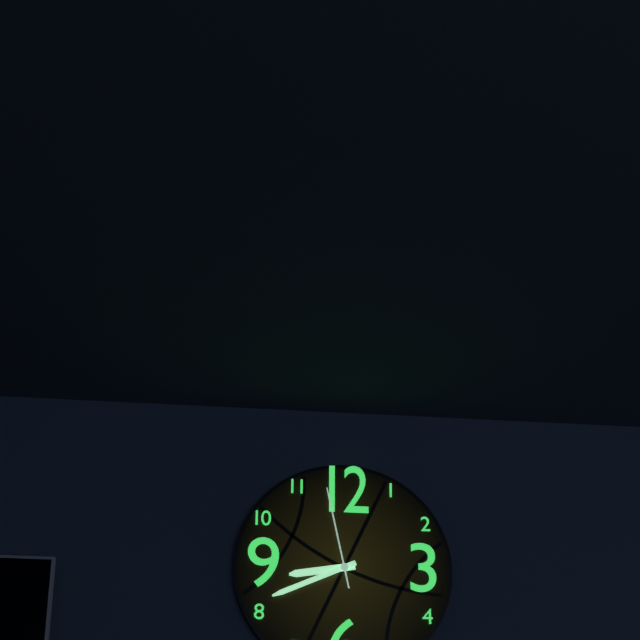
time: 8:41:58
